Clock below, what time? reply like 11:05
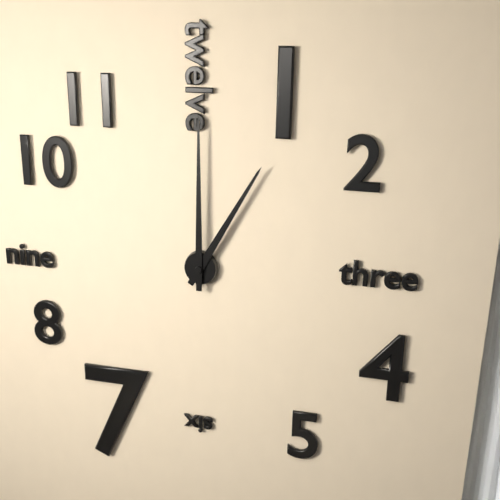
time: 1:00
